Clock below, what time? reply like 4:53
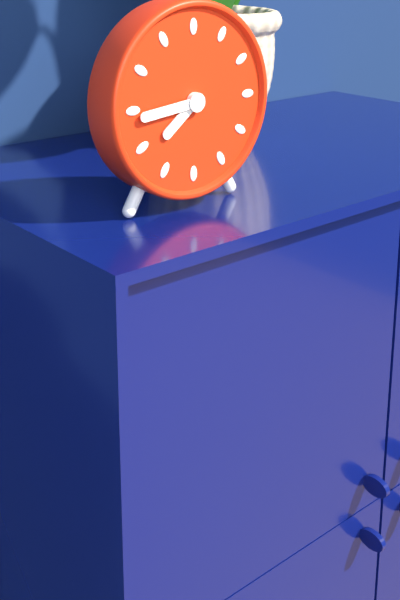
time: 7:44
